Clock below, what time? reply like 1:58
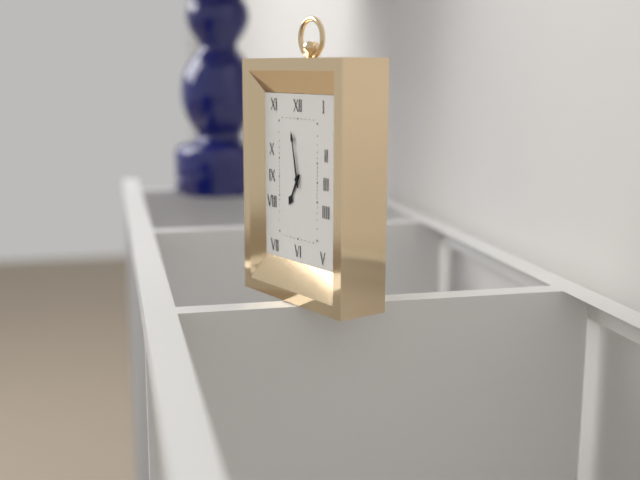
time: 6:58
